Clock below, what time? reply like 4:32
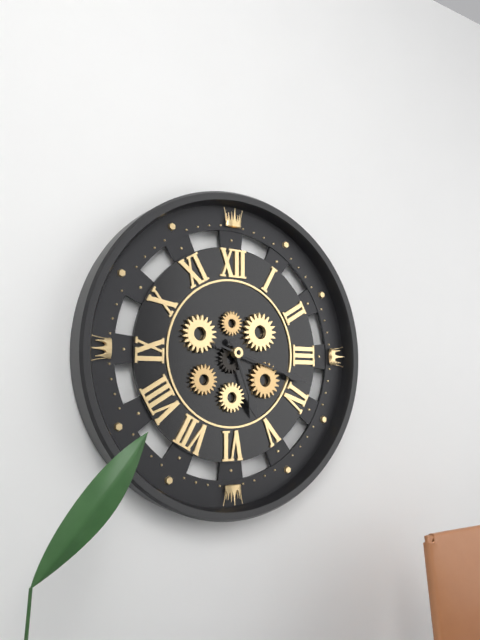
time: 5:18
